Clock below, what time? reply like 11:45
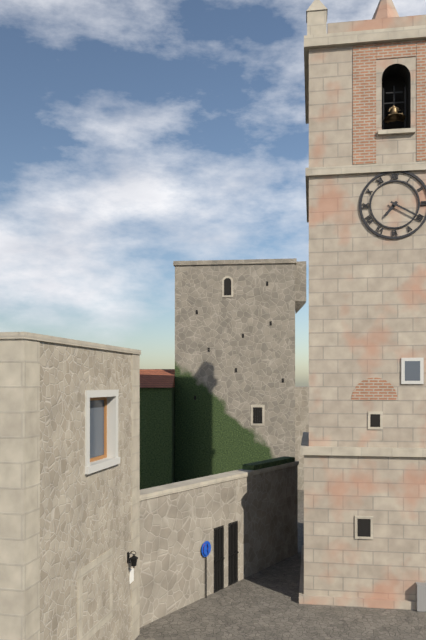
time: 7:20
